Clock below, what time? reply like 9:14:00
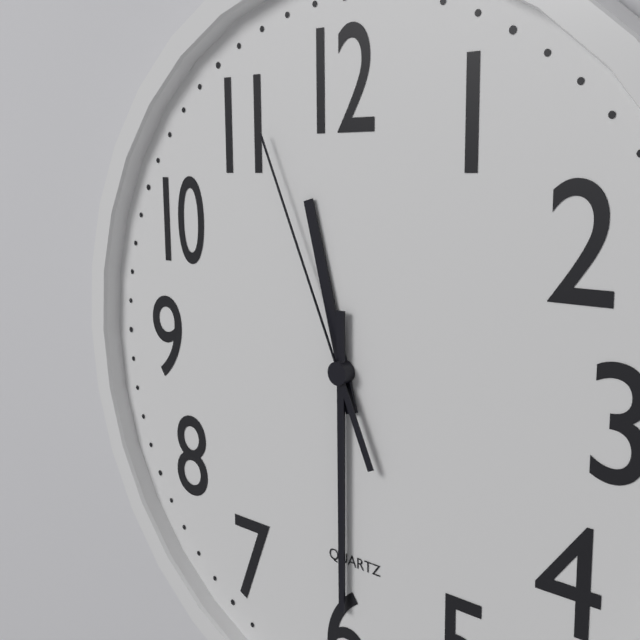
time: 11:30:56
